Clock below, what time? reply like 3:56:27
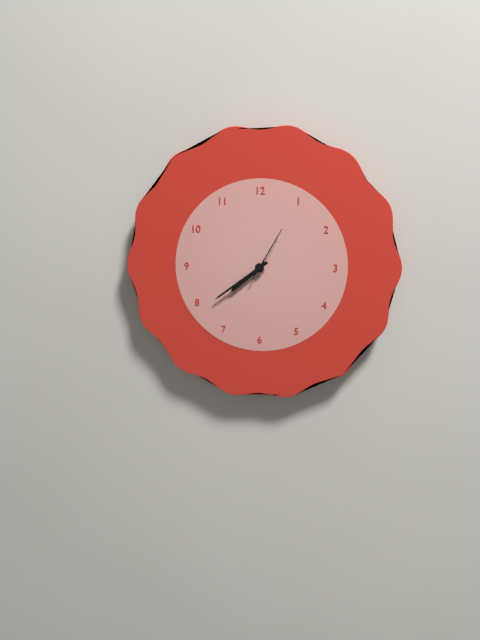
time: 7:39:05
